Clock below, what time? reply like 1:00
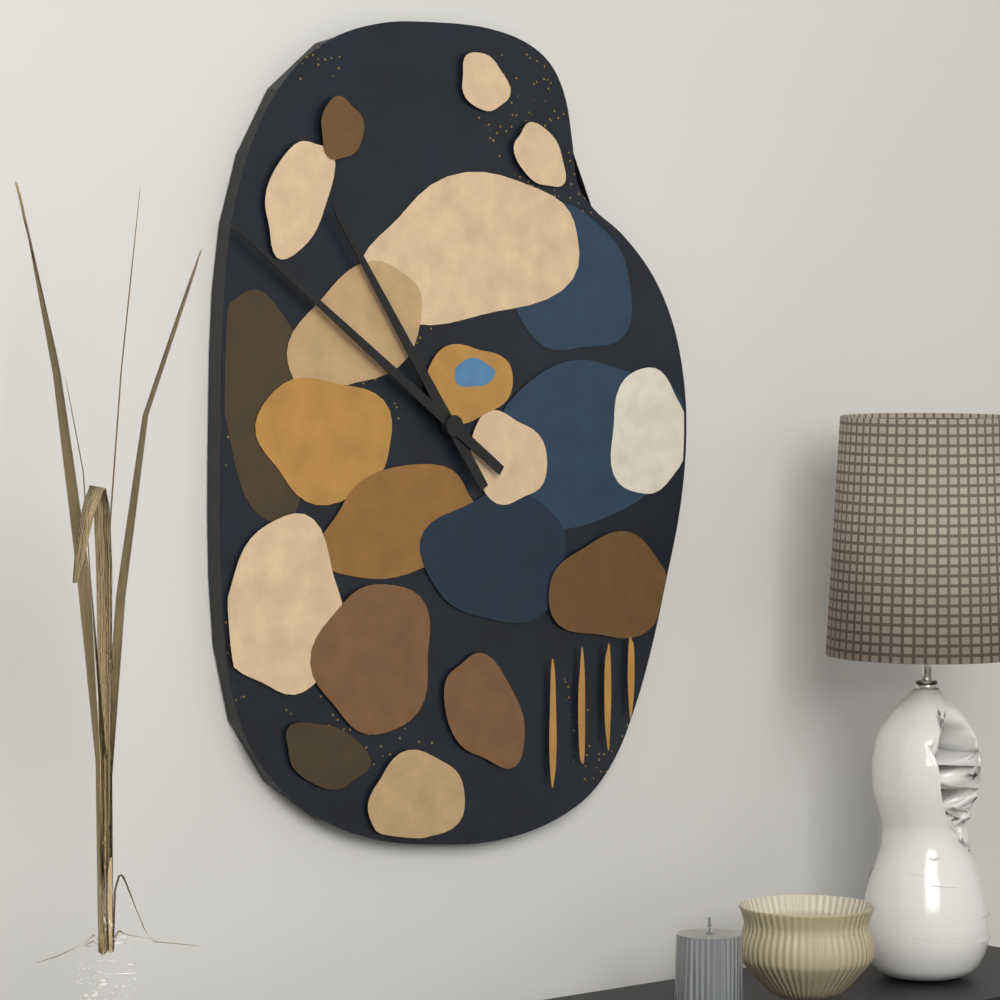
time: 10:51
